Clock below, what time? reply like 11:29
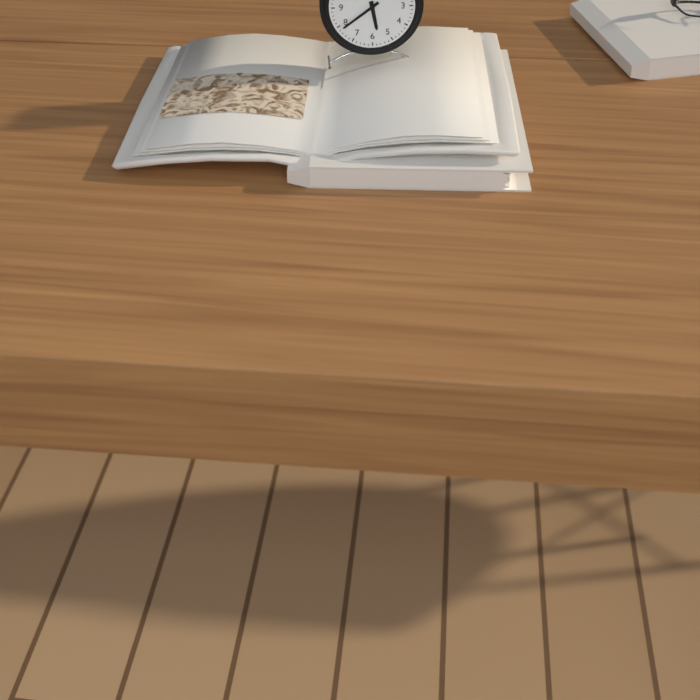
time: 5:39
